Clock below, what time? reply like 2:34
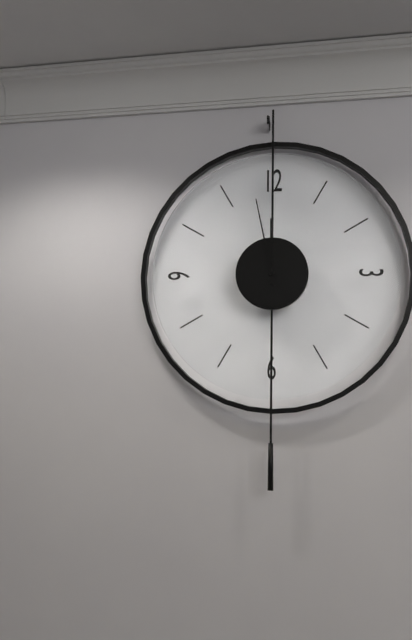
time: 11:58
